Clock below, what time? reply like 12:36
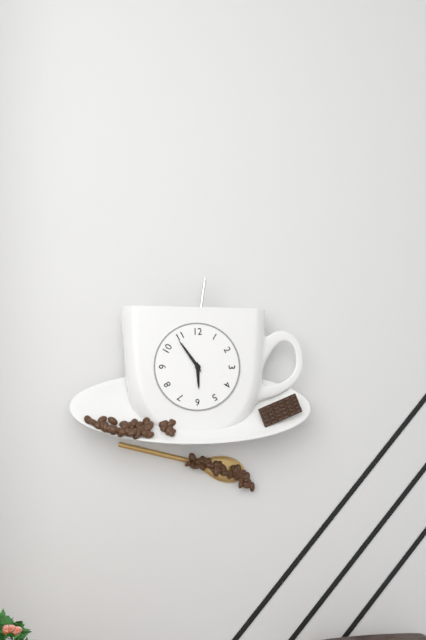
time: 5:54
